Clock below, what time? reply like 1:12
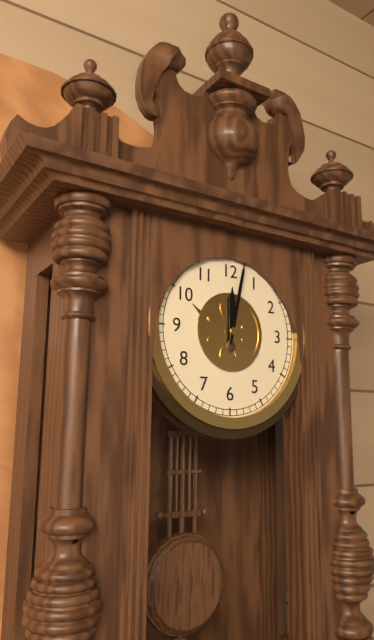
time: 12:02
